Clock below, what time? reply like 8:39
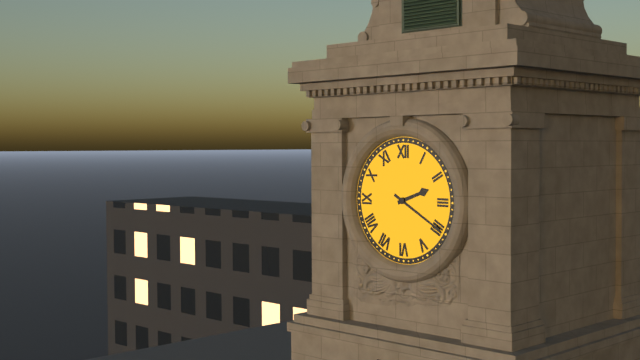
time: 2:20
